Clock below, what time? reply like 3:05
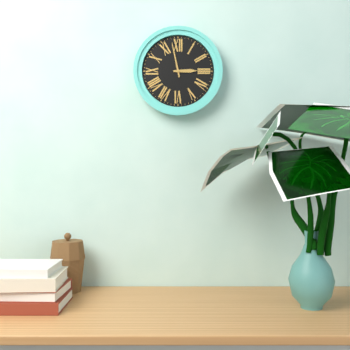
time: 2:58
